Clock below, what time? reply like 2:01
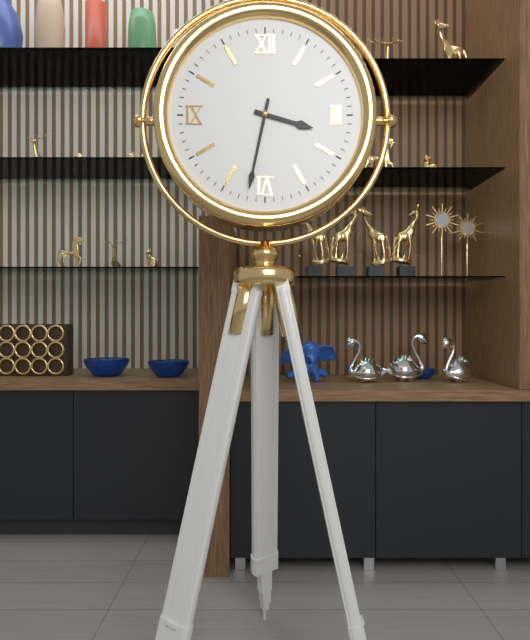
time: 3:32
